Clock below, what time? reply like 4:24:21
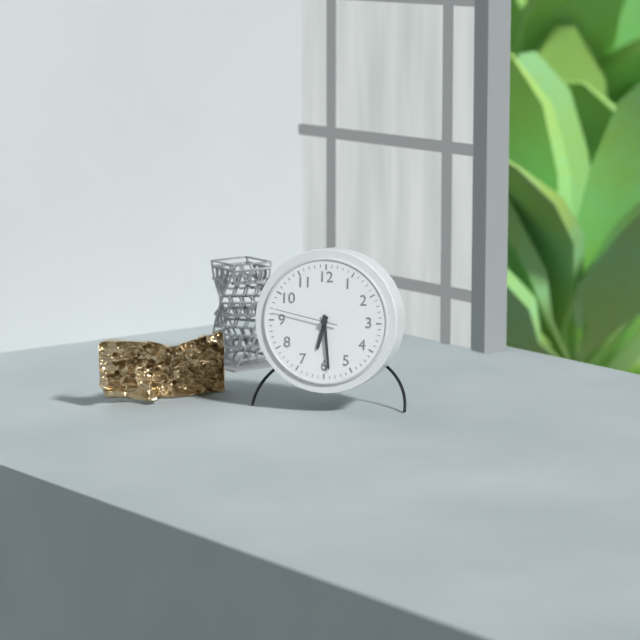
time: 6:29:47
